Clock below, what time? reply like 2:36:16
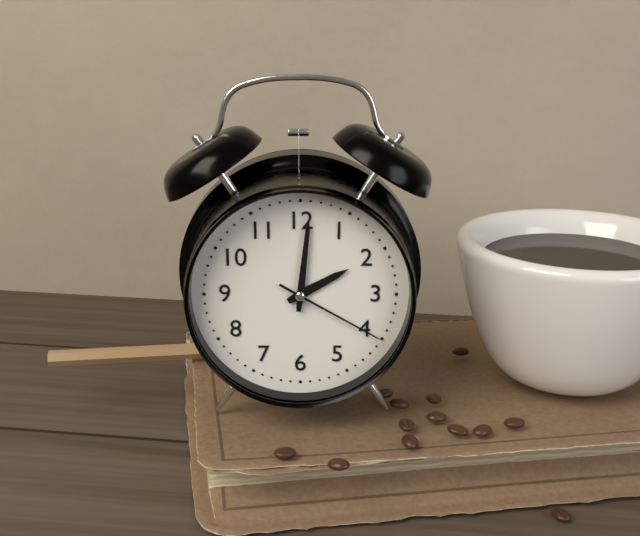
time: 2:01:20
